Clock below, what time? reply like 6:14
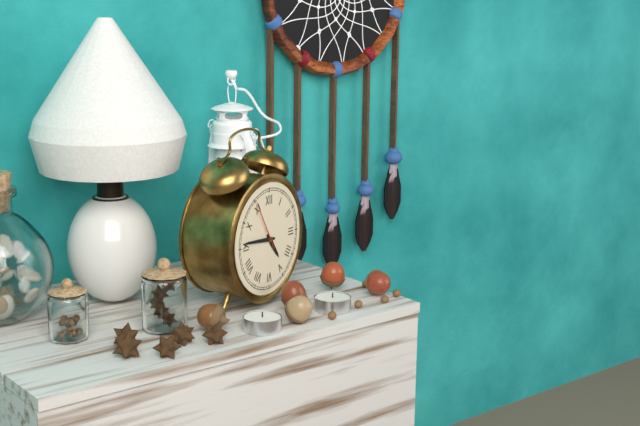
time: 4:46
